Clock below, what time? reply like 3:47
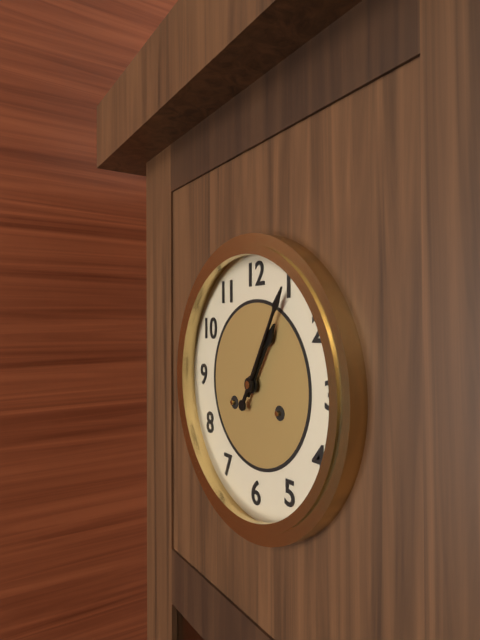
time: 1:05
